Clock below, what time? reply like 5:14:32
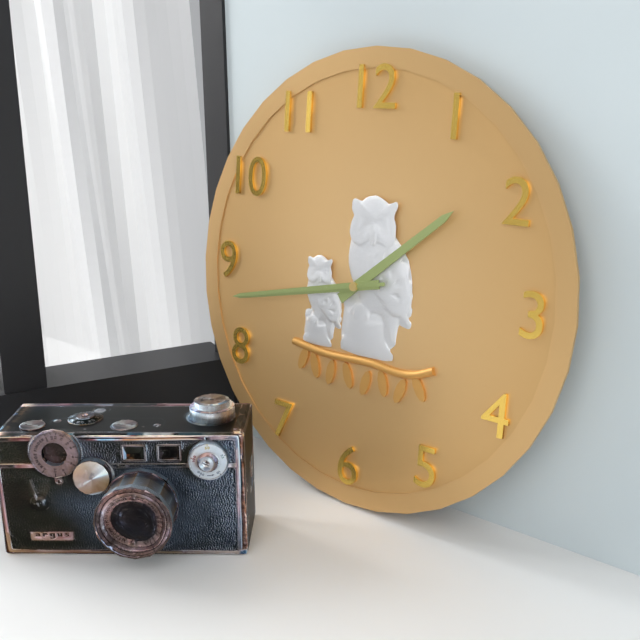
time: 1:43:43
